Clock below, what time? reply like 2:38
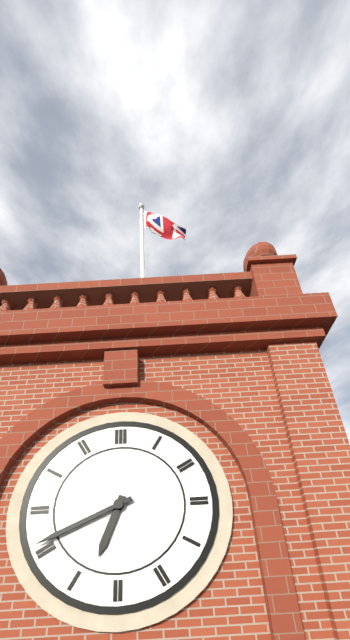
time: 6:41
